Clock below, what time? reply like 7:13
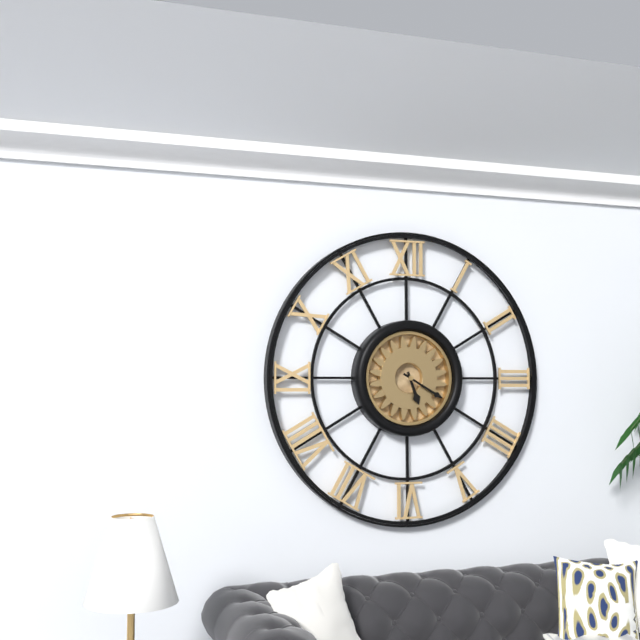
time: 5:20
